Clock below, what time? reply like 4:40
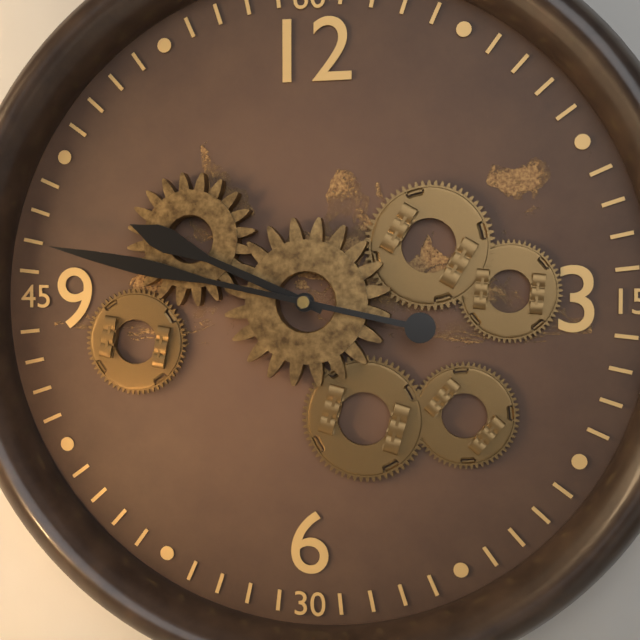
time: 9:47
